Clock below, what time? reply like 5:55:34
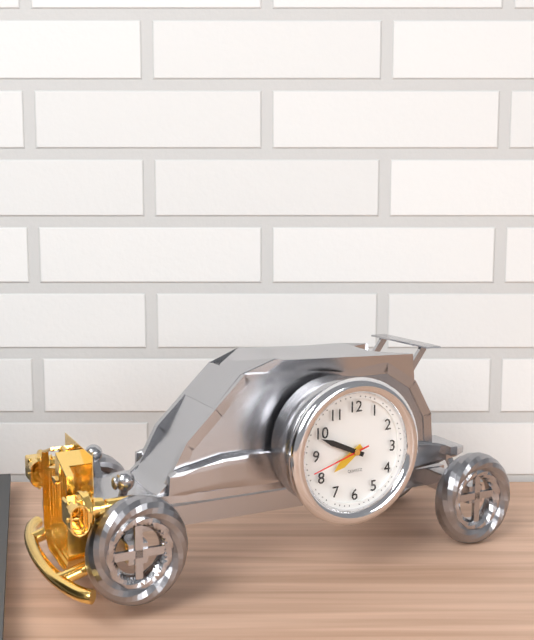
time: 7:49:42
